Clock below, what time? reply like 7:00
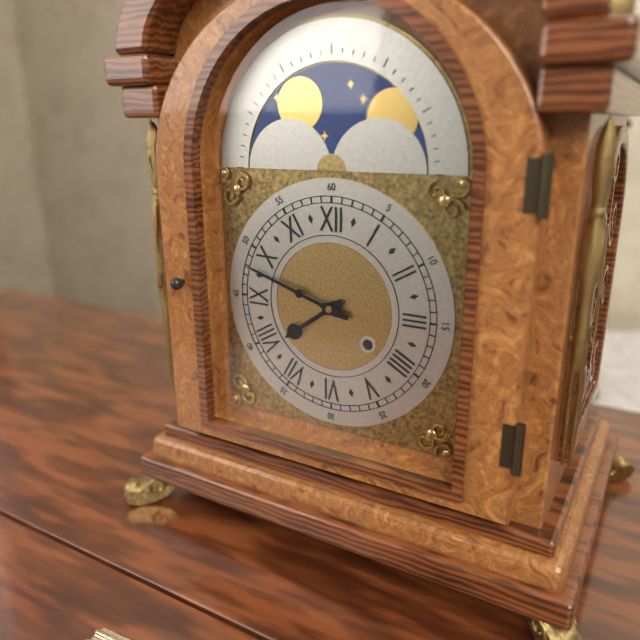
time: 7:48
